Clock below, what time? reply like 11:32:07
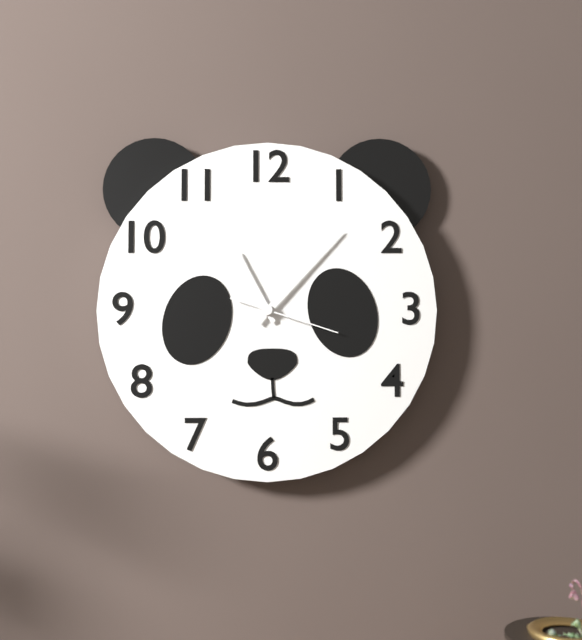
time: 11:07:18
